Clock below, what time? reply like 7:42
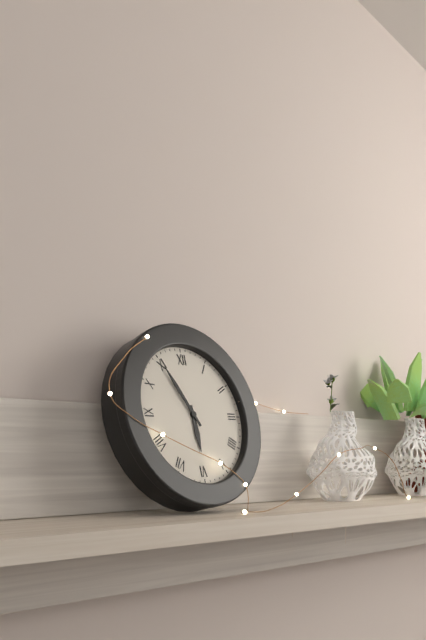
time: 5:55
